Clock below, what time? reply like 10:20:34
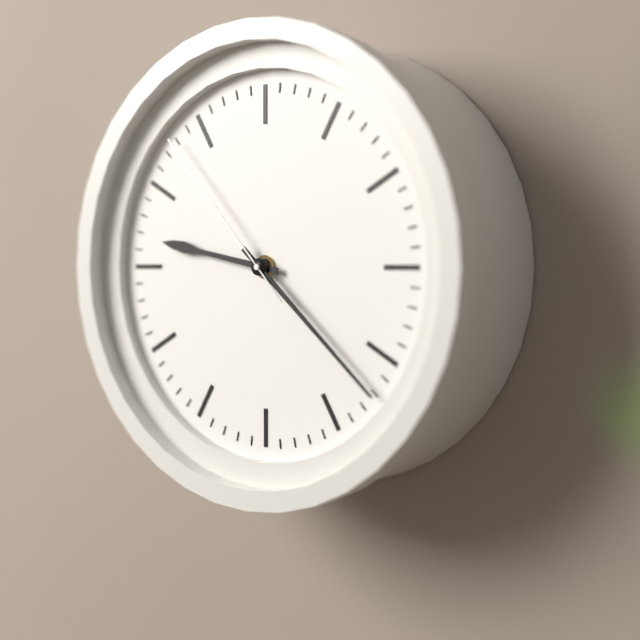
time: 9:22:53
